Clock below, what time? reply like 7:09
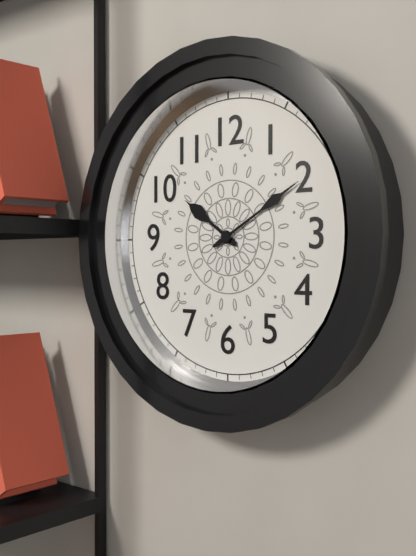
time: 10:10
